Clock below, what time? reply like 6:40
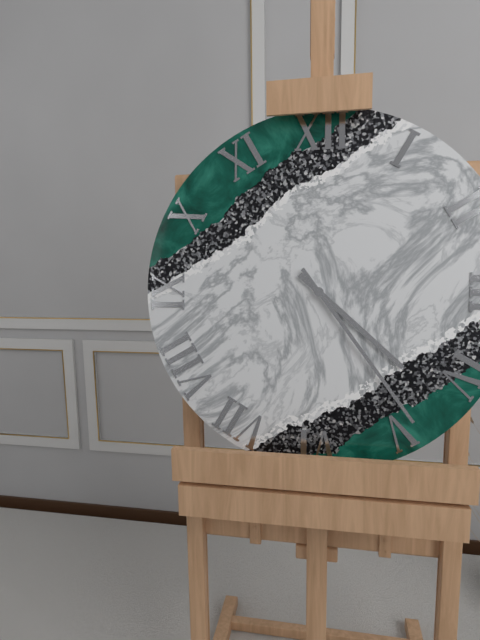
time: 4:24
